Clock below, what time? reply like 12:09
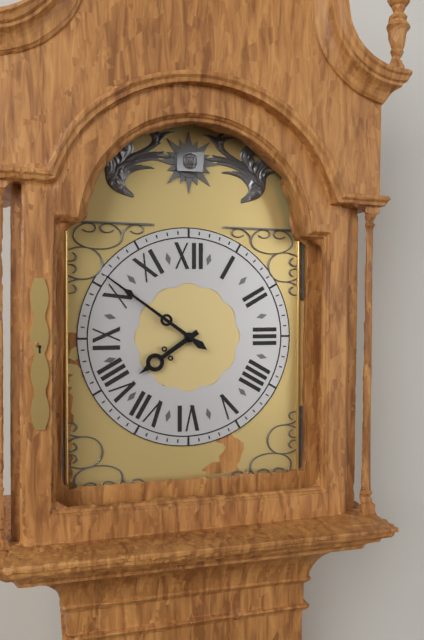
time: 7:51
